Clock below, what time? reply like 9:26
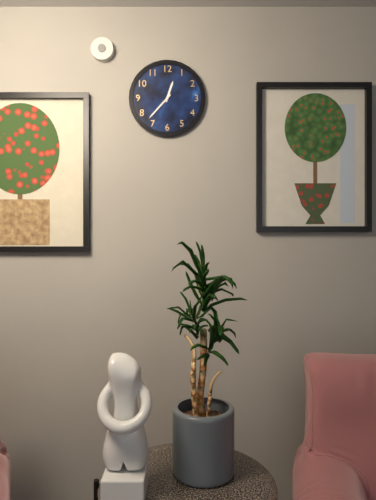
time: 12:37
